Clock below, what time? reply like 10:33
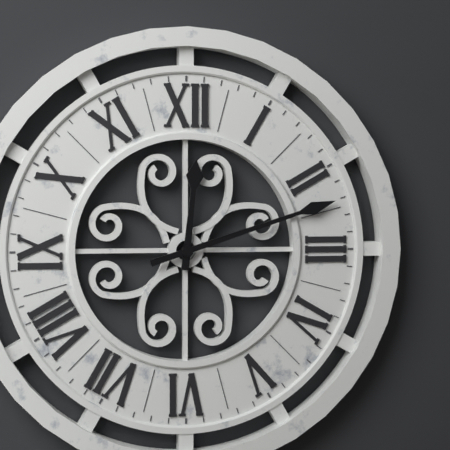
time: 12:12
